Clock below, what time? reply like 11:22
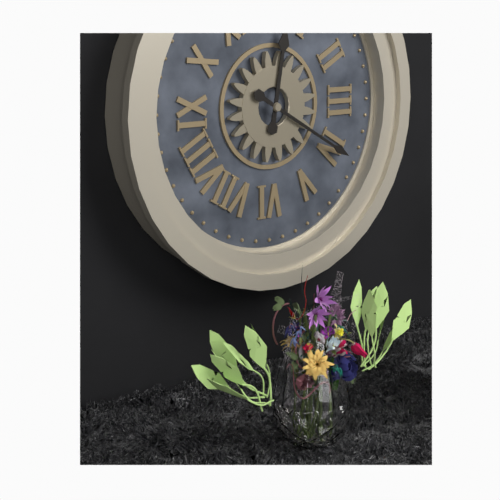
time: 12:20
